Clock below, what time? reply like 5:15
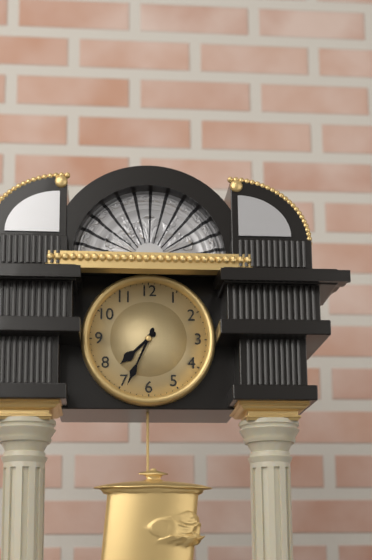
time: 7:34
